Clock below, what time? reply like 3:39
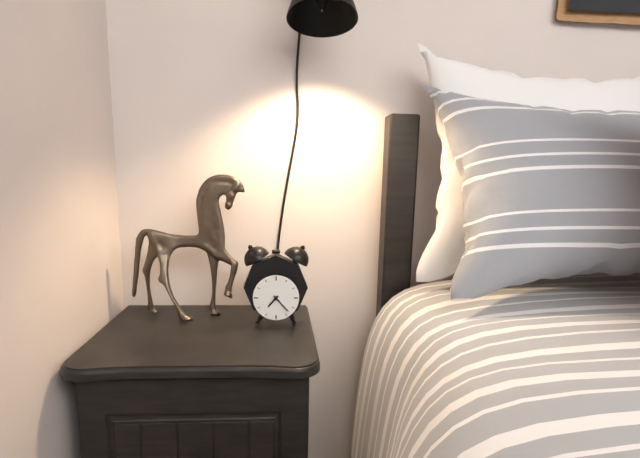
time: 7:23
